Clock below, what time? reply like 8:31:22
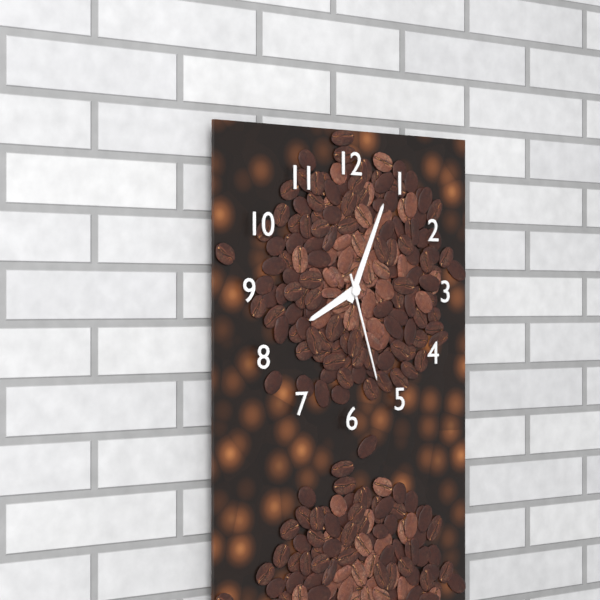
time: 8:04:27
